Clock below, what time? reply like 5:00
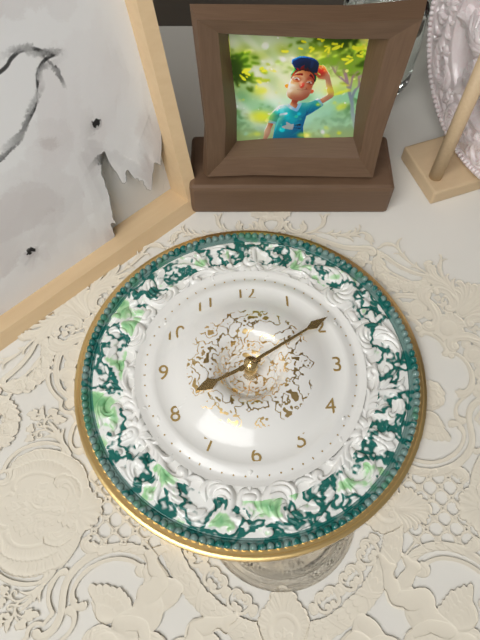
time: 8:10
